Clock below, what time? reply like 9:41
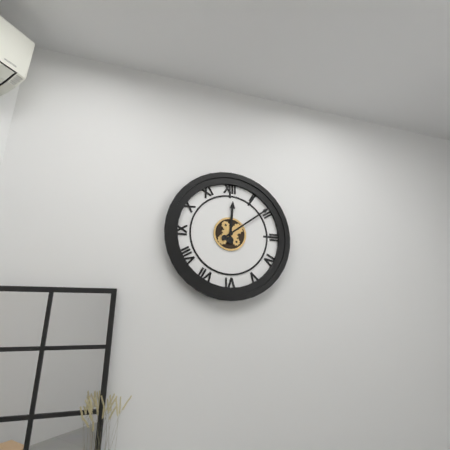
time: 12:09
